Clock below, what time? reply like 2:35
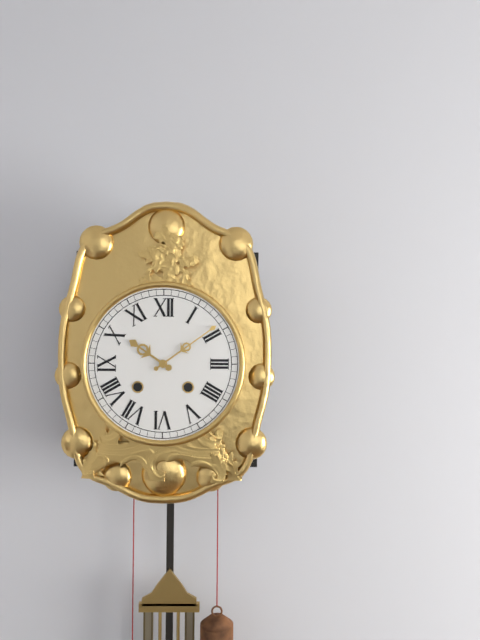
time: 10:09
